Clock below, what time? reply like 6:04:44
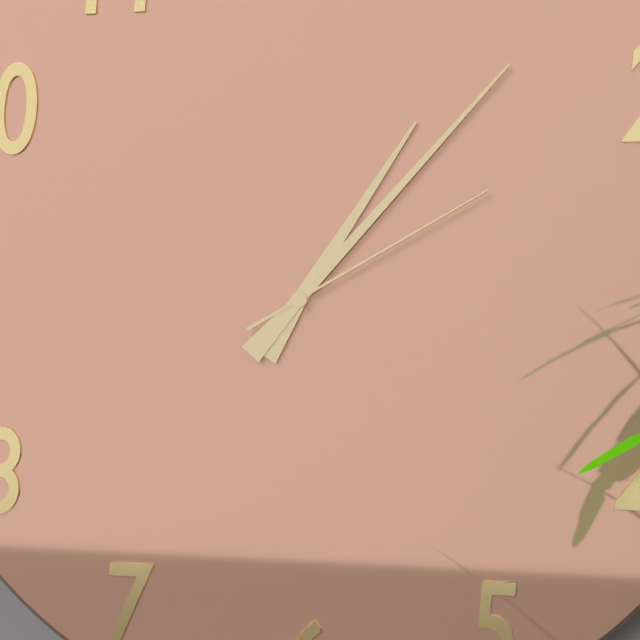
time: 1:07:10
